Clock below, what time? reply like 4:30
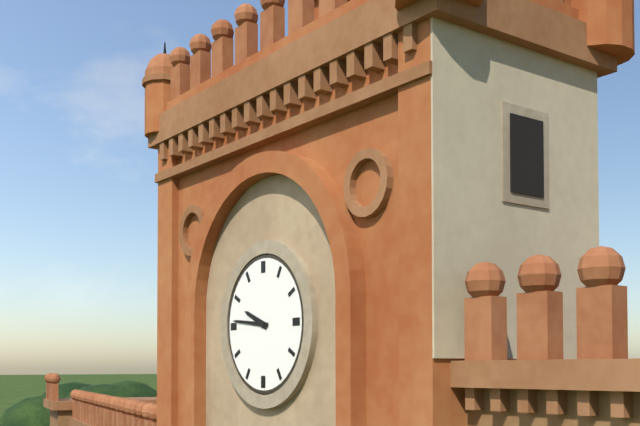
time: 9:46
